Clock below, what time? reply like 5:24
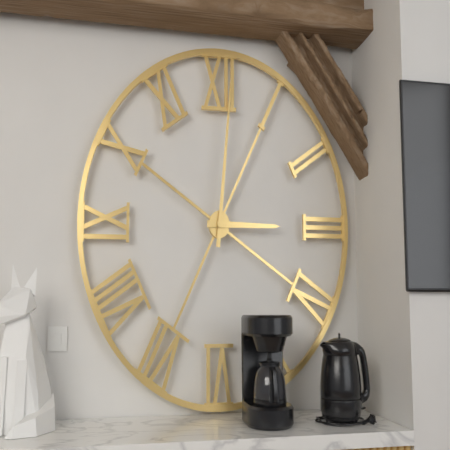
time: 3:01
